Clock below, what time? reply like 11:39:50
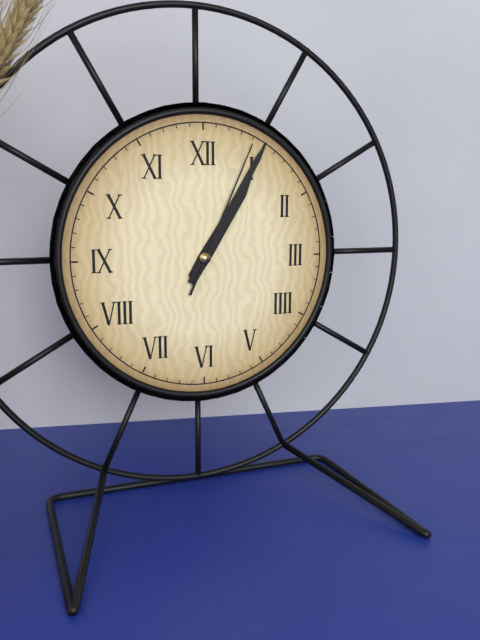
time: 1:05:04
